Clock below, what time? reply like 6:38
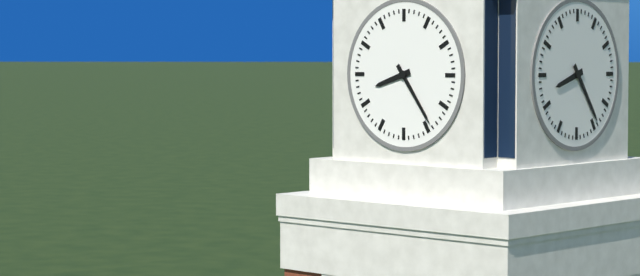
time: 8:24
